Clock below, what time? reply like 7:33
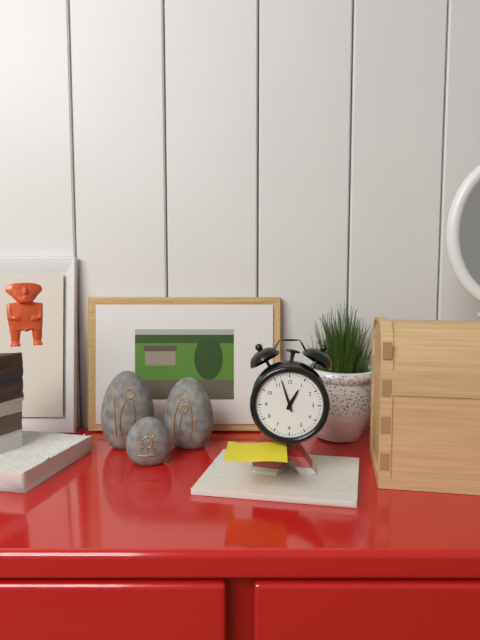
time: 12:57
